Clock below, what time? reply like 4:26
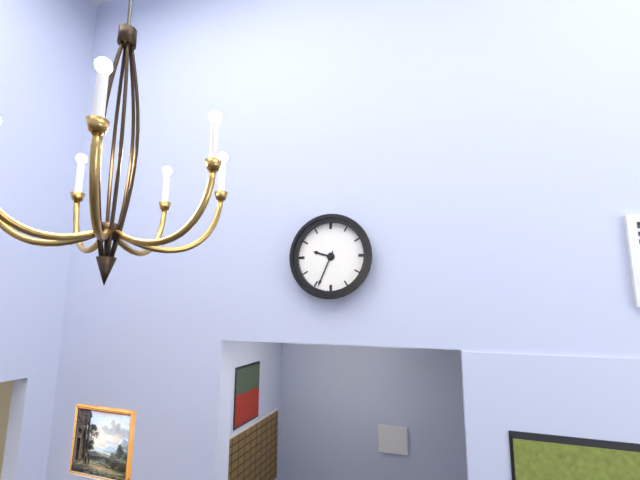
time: 9:34
